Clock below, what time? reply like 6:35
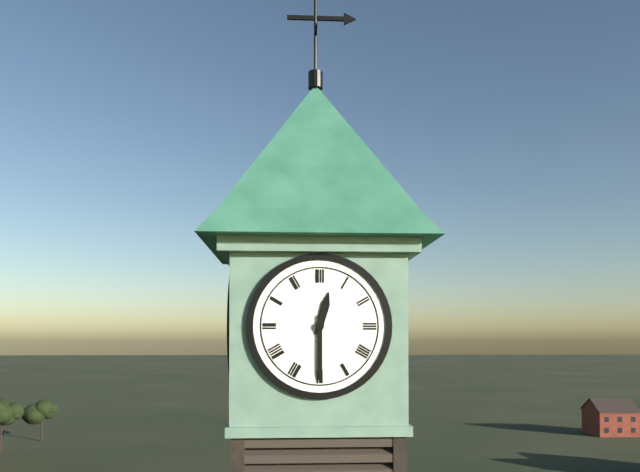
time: 12:30
